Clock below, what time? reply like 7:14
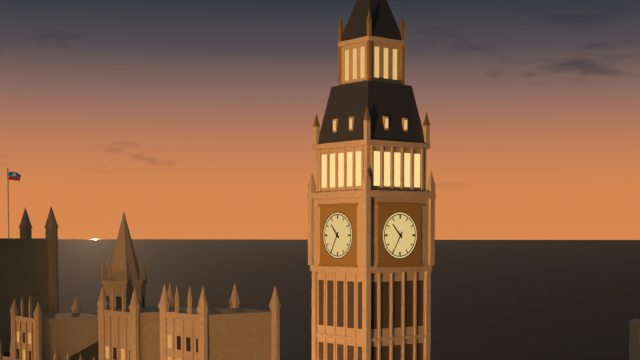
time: 10:35
